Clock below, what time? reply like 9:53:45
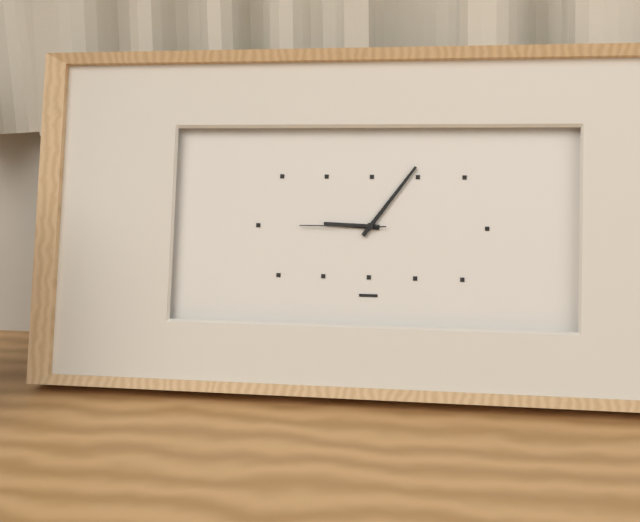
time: 9:06:45
